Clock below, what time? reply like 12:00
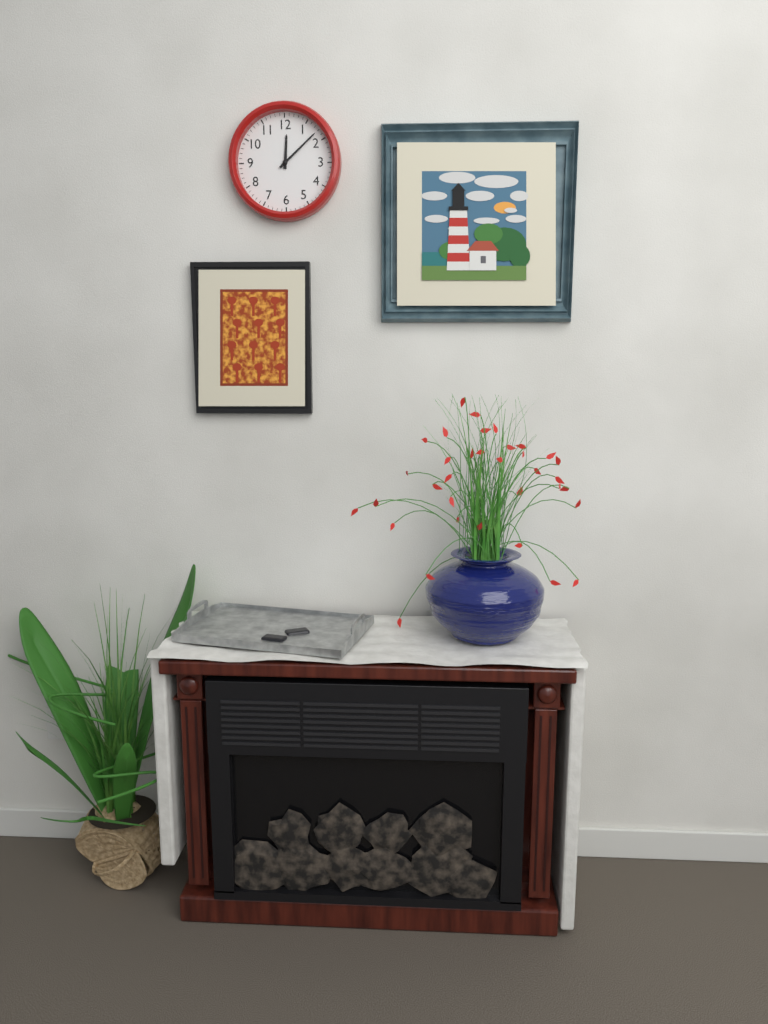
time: 12:08
